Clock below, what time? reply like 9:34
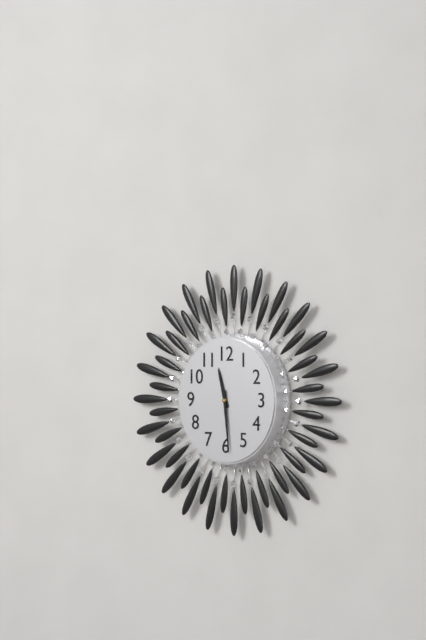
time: 11:29
